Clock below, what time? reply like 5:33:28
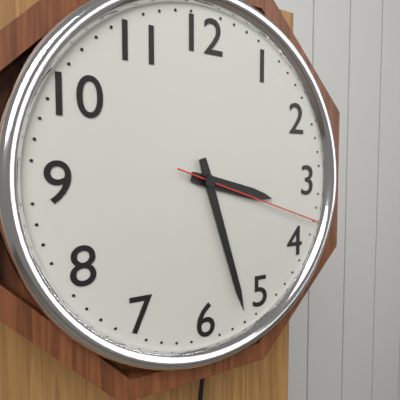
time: 3:27:18
